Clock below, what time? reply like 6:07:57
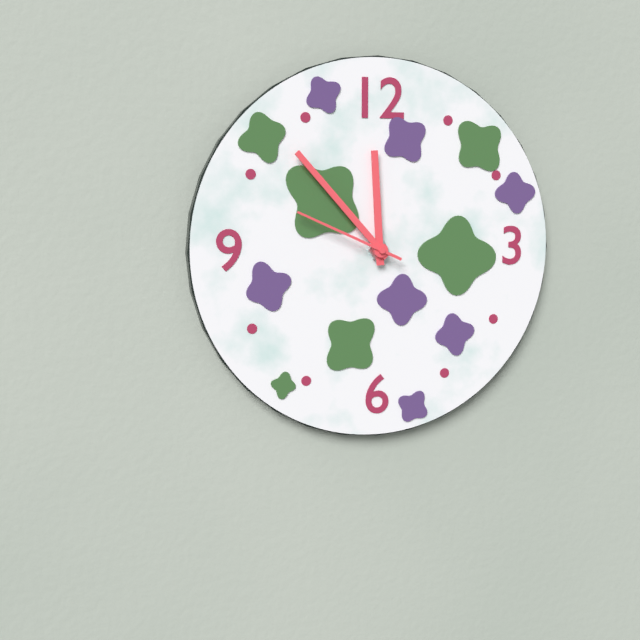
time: 11:53:49
